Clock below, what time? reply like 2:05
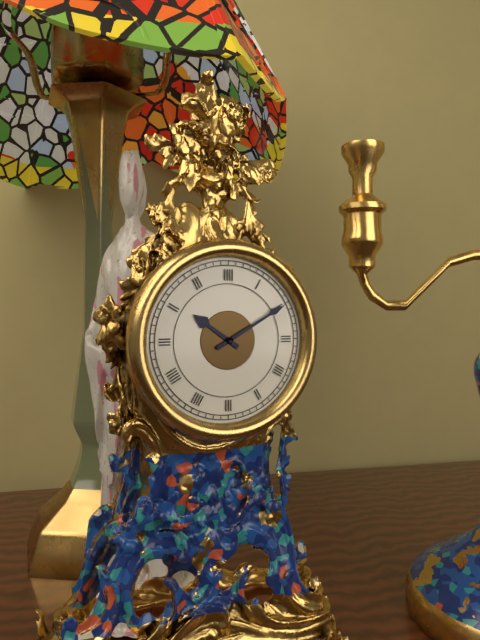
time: 10:10
